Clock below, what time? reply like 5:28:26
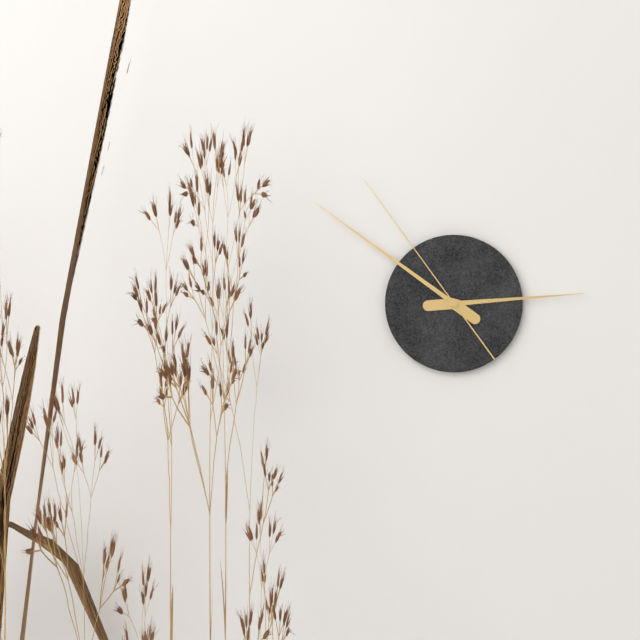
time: 2:51:54
